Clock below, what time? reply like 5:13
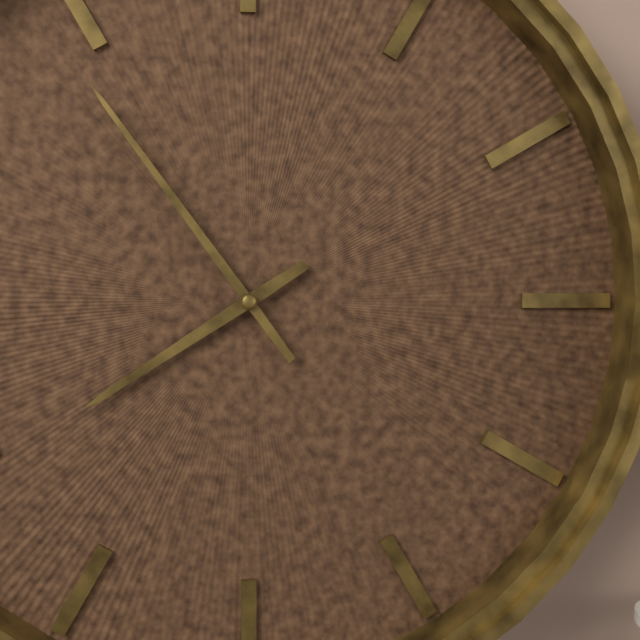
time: 7:54
